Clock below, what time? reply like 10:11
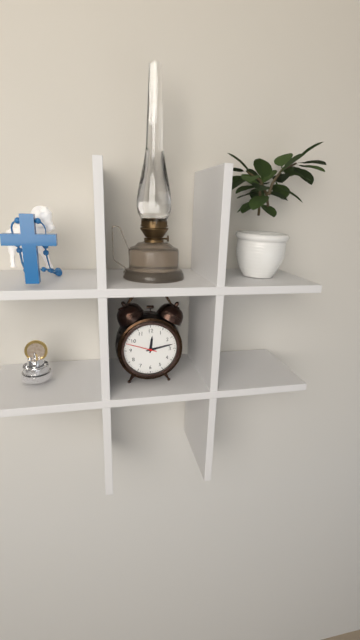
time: 12:13
